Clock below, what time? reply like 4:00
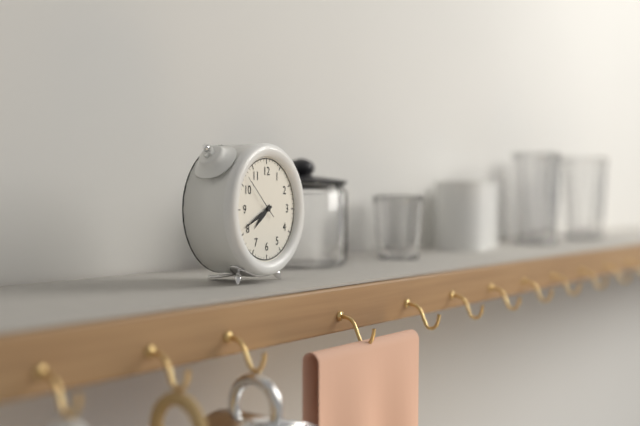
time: 7:41
